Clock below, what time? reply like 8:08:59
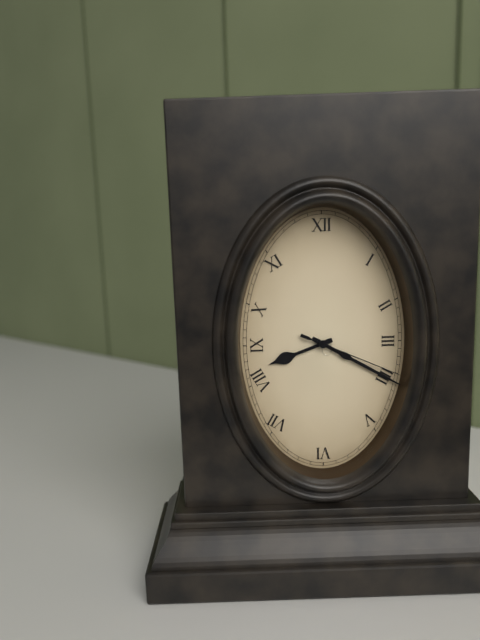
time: 8:20:19
